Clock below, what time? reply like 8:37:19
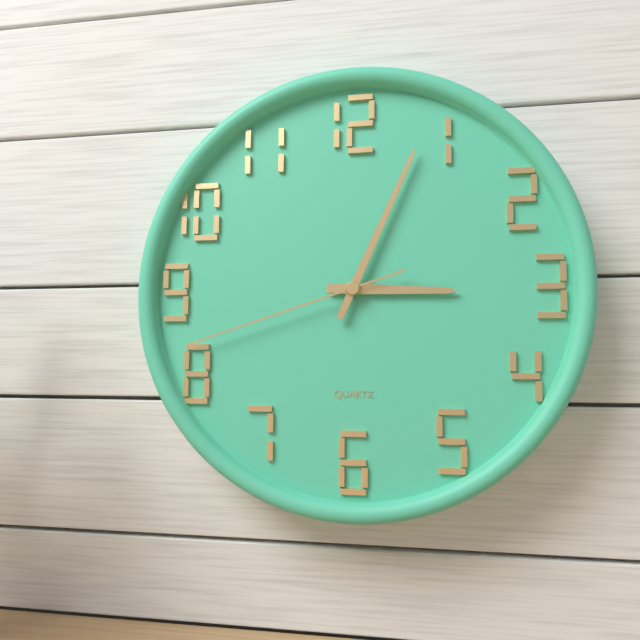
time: 3:04:42
